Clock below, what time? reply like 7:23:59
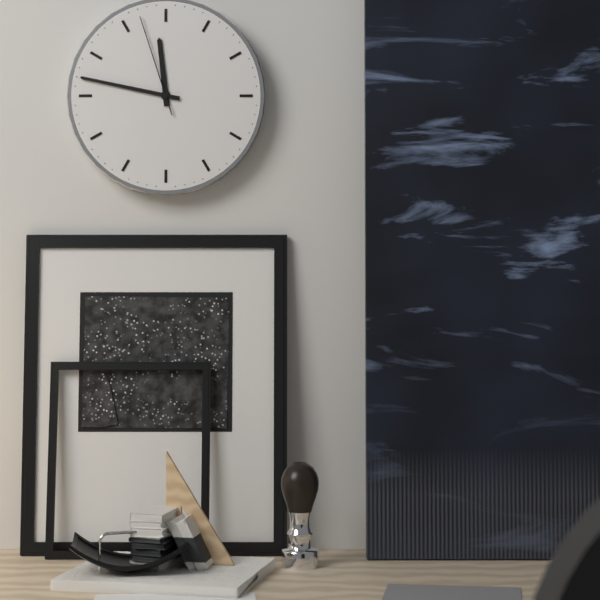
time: 11:47:57
